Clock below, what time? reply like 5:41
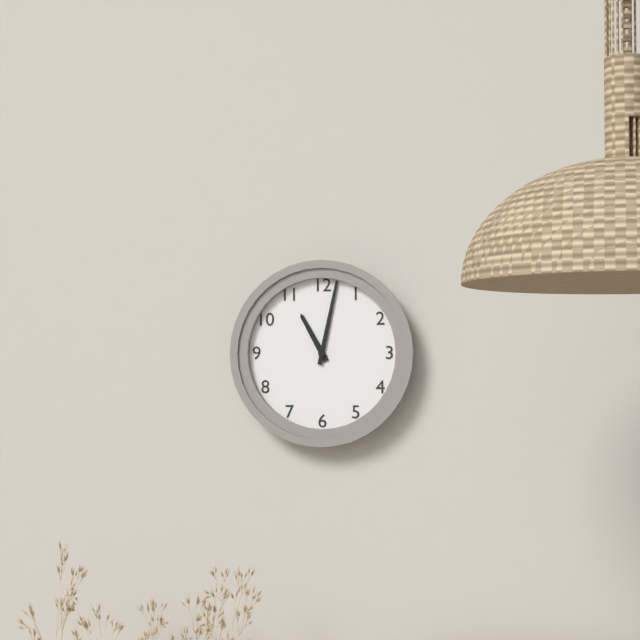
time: 11:02
